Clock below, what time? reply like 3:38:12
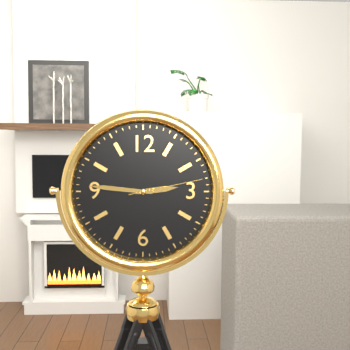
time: 2:46:13
